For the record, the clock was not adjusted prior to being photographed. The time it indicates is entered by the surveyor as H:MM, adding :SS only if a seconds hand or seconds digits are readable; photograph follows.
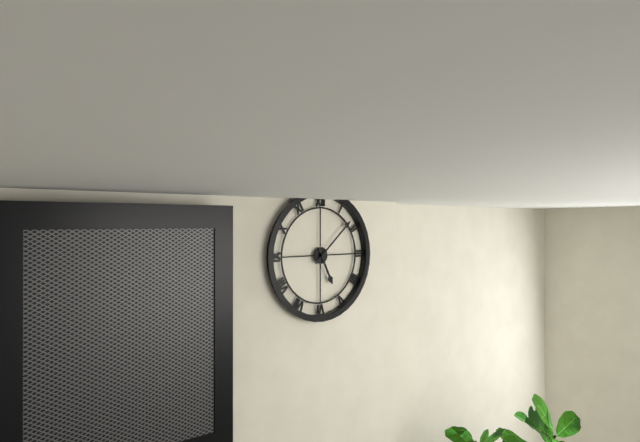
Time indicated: 5:08
